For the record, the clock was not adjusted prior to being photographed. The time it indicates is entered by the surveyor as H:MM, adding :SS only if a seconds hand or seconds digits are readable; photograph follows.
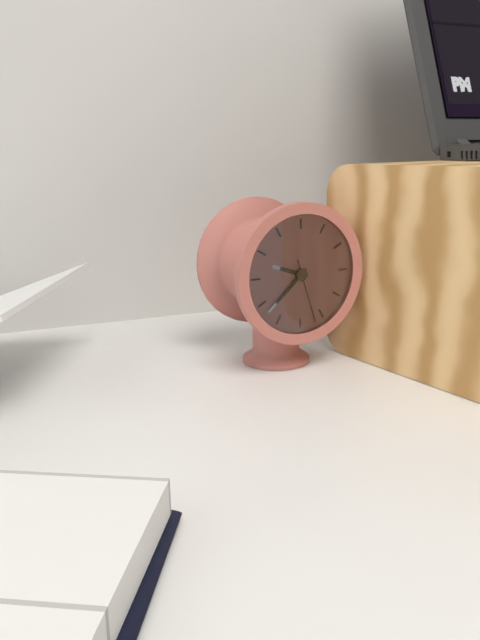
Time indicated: 9:38:27
